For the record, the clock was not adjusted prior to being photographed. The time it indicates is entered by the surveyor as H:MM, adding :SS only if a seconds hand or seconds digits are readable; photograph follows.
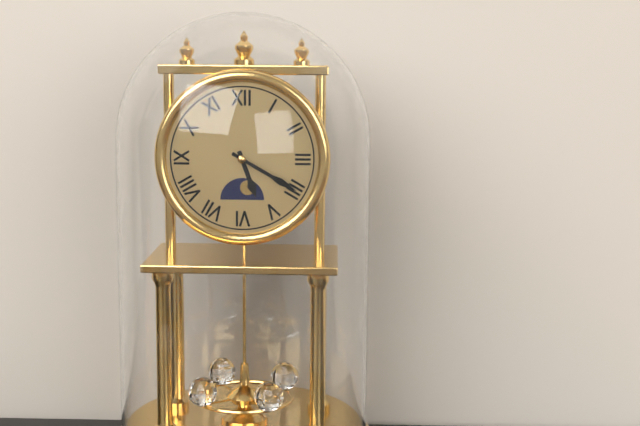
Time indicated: 5:20
